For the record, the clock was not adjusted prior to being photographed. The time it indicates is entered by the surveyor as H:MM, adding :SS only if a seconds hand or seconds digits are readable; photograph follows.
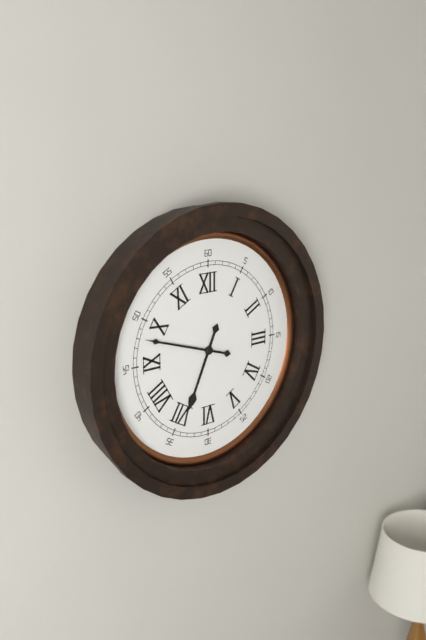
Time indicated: 6:48
